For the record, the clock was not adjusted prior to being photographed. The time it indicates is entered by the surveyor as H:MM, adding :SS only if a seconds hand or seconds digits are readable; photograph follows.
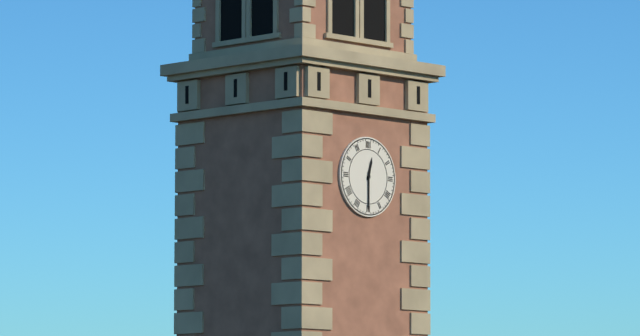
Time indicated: 12:30
